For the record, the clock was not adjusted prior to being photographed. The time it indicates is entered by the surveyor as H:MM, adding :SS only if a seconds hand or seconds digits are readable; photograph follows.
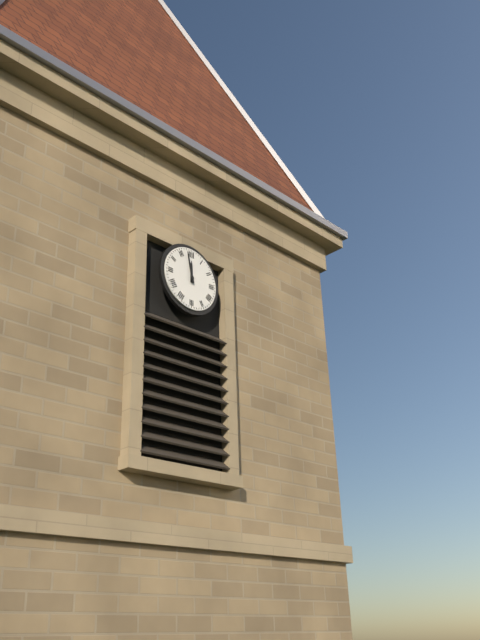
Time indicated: 11:58
